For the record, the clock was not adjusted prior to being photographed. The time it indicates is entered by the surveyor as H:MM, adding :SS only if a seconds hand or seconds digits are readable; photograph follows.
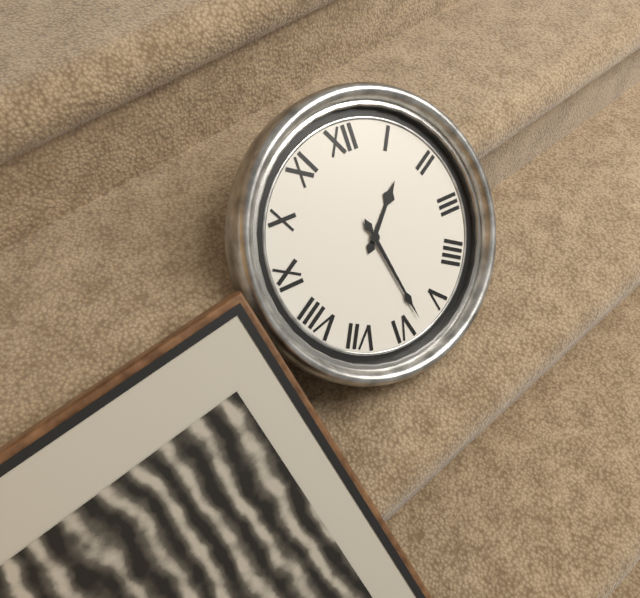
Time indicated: 1:28
